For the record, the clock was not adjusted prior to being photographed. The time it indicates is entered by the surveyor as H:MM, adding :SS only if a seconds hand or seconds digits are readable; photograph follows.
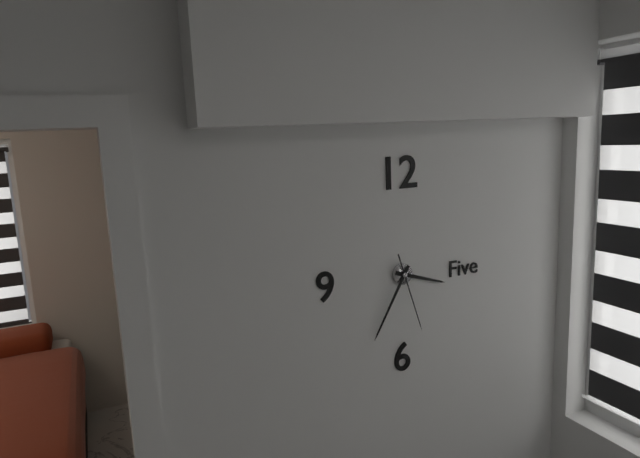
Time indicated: 3:35:27
